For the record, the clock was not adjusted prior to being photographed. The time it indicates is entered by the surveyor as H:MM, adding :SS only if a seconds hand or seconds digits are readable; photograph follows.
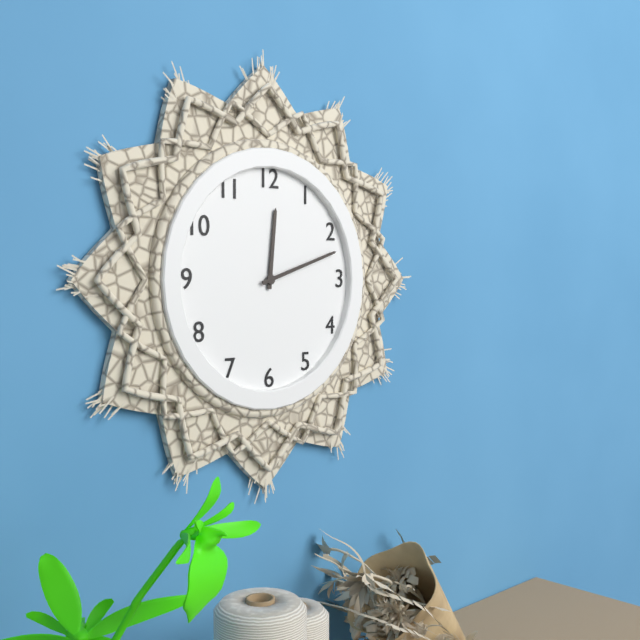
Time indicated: 12:12
